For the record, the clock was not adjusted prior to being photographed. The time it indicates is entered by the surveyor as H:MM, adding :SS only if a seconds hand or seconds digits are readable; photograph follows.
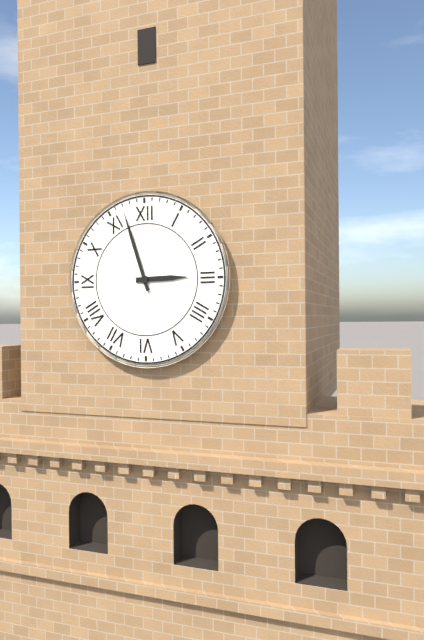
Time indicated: 2:57
